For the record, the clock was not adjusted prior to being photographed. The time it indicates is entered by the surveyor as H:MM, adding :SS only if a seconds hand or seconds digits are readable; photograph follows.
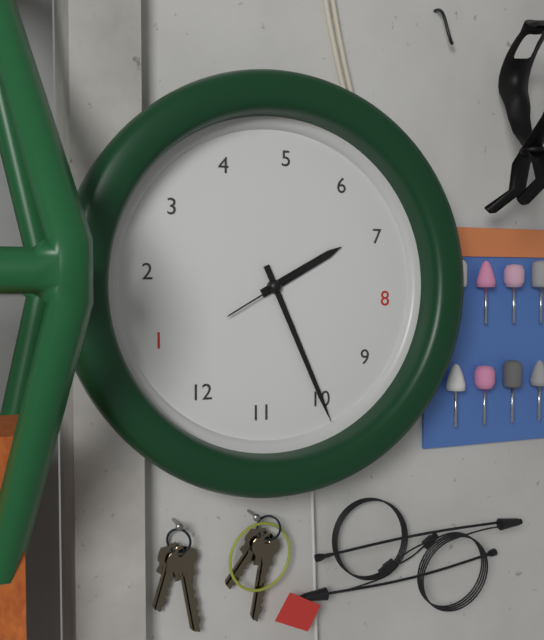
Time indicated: 6:50:04
